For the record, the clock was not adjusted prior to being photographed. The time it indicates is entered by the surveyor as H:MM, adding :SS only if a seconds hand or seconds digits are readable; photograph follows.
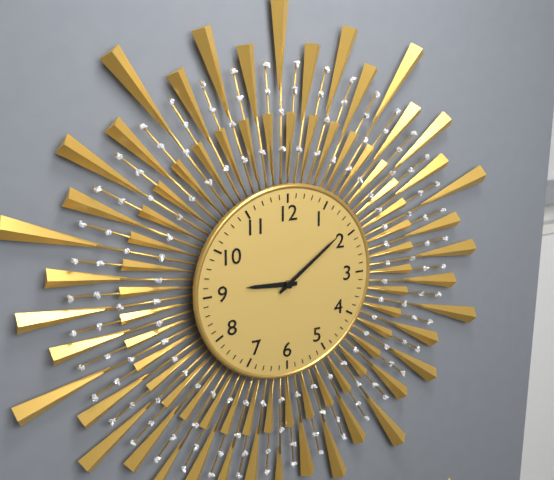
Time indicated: 9:09
